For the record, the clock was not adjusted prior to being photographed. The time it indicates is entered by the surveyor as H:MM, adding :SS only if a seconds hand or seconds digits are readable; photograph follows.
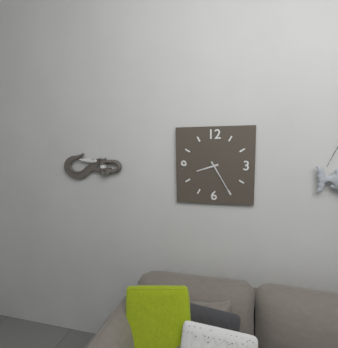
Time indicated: 8:25
